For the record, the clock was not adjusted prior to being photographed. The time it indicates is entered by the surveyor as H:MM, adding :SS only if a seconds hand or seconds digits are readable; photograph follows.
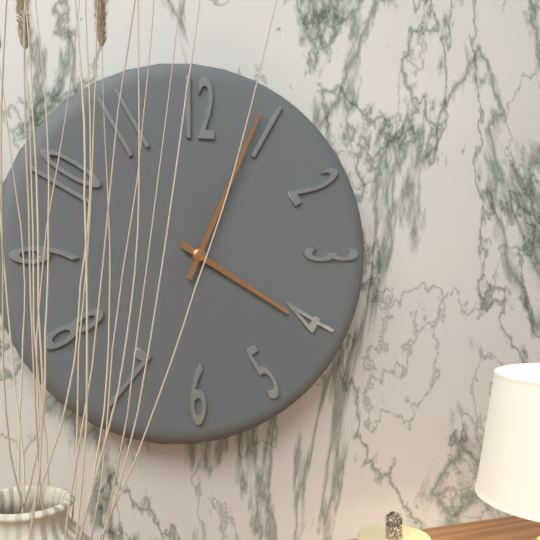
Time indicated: 4:04
